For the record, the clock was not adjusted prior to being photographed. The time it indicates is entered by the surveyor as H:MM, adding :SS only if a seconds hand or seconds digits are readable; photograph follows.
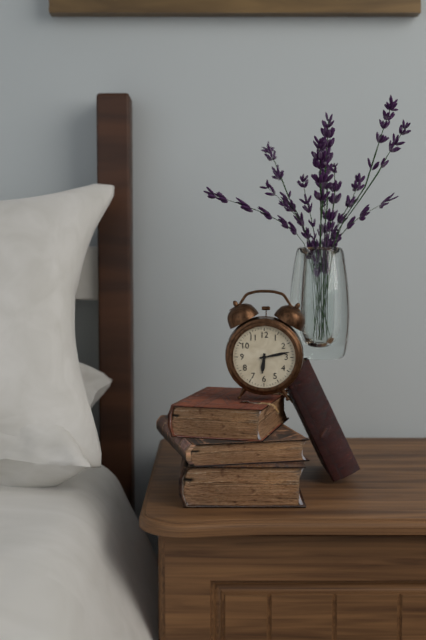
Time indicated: 6:13
